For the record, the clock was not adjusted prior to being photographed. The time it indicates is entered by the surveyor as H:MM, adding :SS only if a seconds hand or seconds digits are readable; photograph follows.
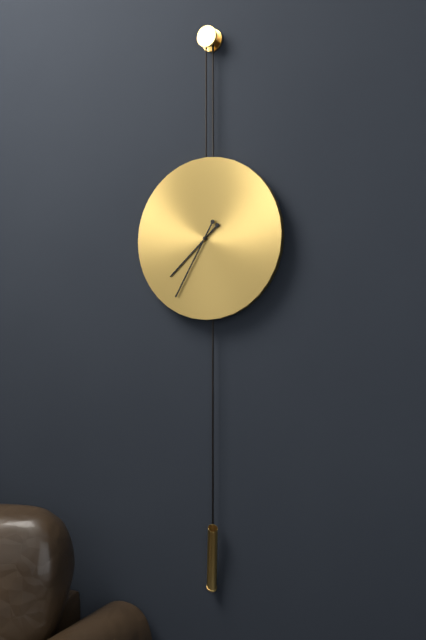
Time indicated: 7:35
